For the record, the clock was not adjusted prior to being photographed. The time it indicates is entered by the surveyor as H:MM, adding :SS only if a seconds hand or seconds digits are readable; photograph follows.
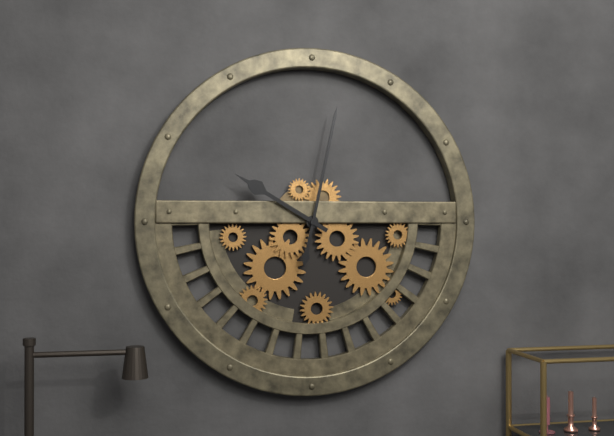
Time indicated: 10:02
